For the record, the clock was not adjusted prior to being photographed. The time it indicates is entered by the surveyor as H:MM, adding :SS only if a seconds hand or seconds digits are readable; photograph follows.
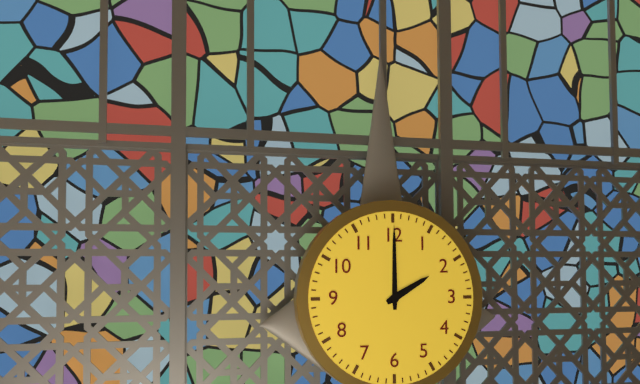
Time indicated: 2:00
